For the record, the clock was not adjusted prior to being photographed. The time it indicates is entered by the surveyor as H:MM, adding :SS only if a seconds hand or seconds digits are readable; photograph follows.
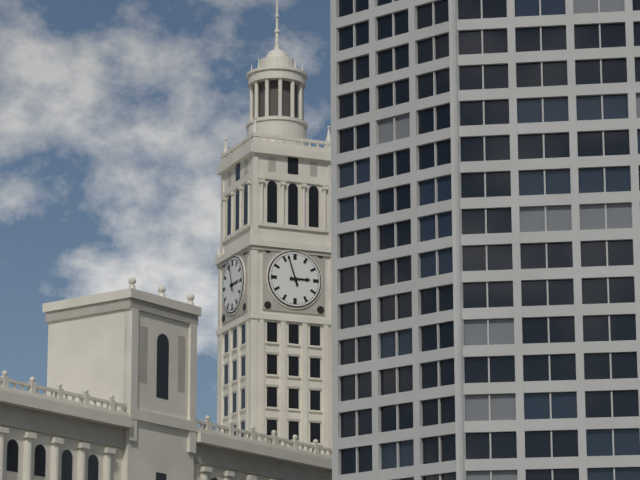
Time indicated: 2:57
